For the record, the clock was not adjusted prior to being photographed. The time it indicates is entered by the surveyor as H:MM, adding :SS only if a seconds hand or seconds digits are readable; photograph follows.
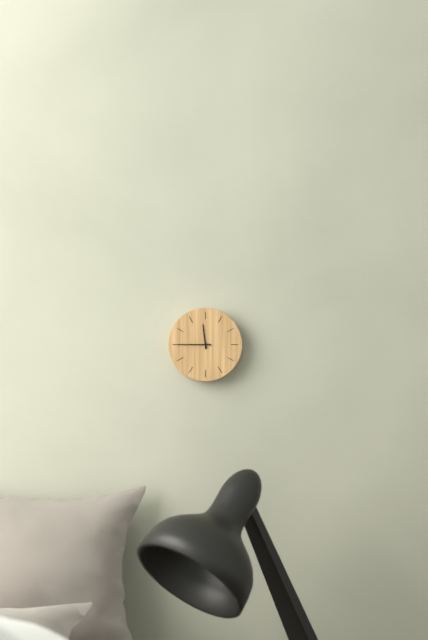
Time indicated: 11:45
